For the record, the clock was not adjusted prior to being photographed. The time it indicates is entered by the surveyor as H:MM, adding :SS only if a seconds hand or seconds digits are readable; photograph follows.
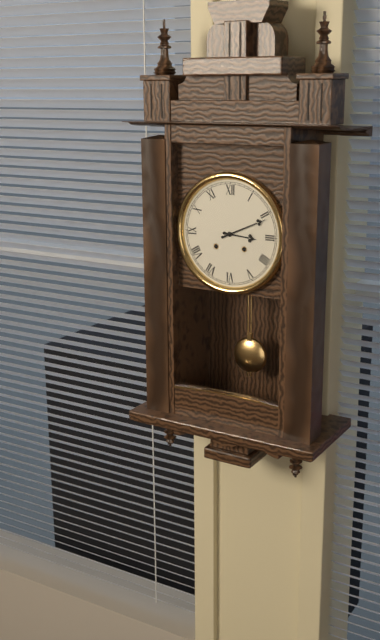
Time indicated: 3:11
